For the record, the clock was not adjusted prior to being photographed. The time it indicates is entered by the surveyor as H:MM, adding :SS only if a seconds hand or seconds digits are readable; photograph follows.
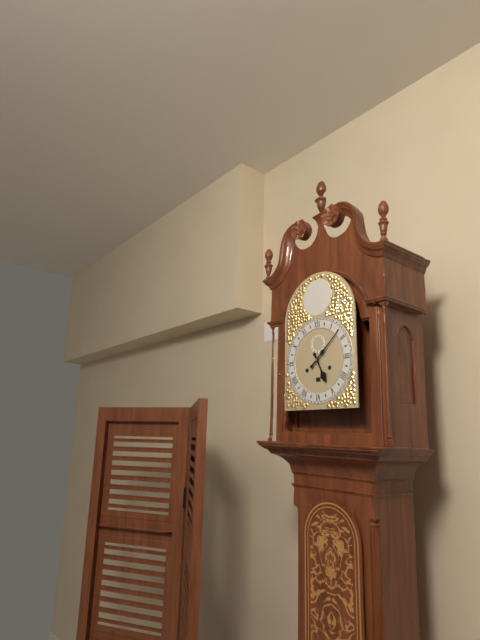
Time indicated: 5:08
